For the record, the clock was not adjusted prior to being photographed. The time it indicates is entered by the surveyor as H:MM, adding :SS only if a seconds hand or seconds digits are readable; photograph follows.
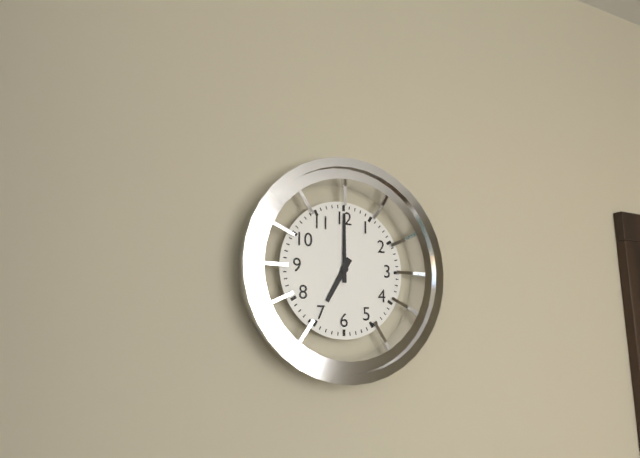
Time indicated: 7:00
